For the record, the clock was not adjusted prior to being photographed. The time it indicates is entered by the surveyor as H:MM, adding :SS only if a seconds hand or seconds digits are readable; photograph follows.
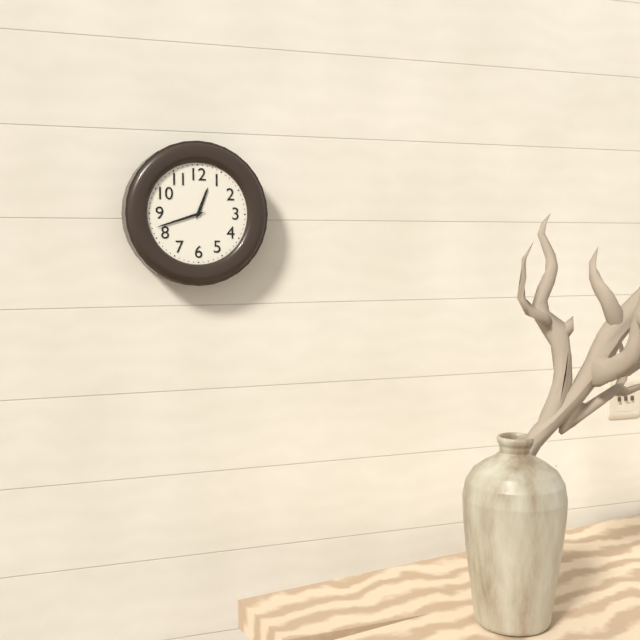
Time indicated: 12:42
